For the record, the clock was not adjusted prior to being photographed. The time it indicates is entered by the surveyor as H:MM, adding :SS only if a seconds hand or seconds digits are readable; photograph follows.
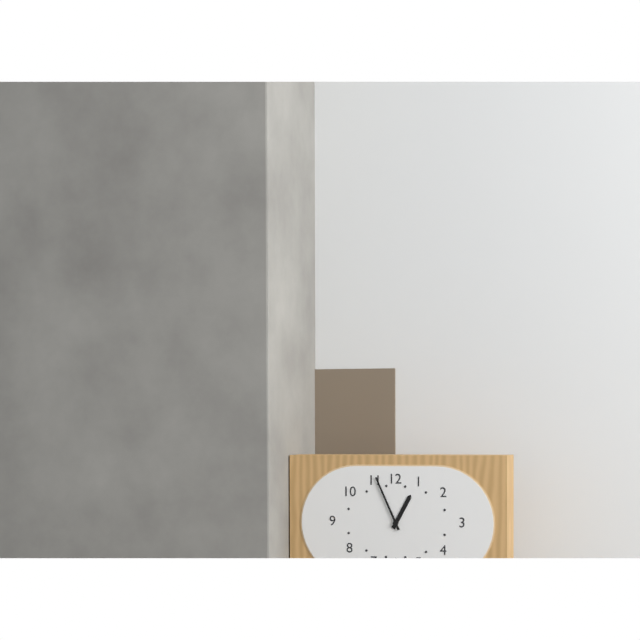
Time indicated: 12:56
